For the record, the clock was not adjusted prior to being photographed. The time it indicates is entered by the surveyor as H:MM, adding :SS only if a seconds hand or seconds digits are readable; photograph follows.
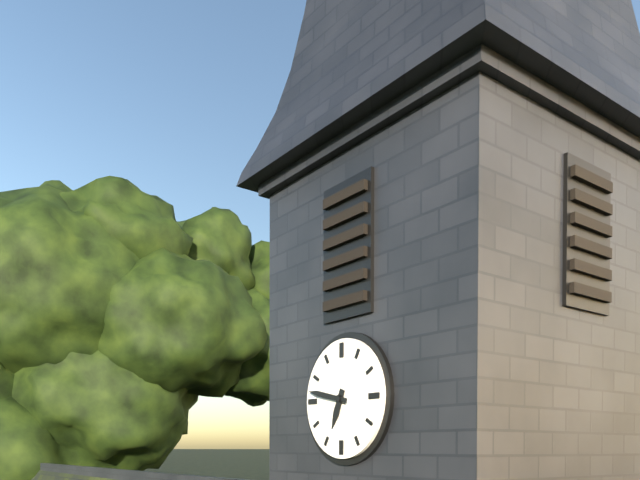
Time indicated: 6:47
